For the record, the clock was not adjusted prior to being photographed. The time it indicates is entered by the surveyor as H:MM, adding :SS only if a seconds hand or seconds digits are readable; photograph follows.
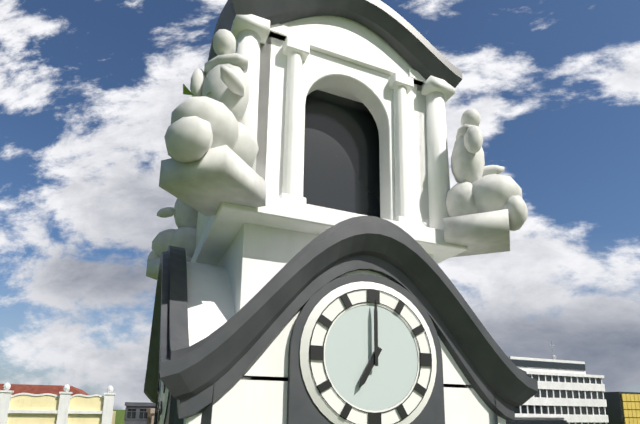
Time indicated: 7:00
